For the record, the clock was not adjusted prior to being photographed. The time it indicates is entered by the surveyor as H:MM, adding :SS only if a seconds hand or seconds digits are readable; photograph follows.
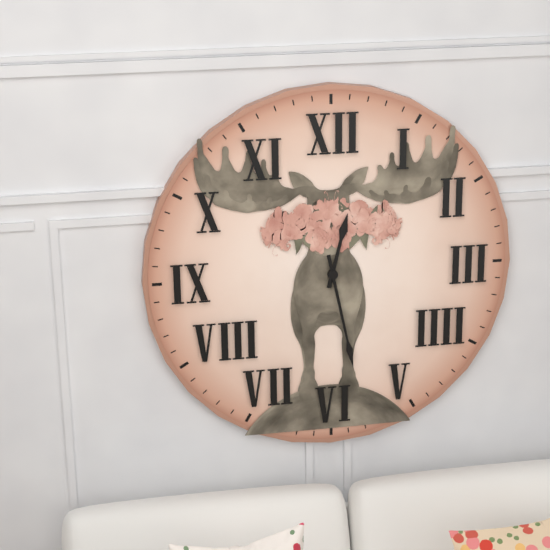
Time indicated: 12:28
